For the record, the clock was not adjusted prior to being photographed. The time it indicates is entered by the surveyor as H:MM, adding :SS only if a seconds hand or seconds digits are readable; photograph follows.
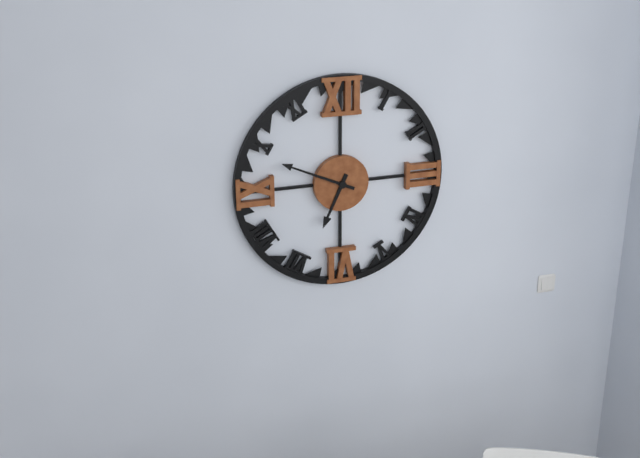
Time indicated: 6:49
